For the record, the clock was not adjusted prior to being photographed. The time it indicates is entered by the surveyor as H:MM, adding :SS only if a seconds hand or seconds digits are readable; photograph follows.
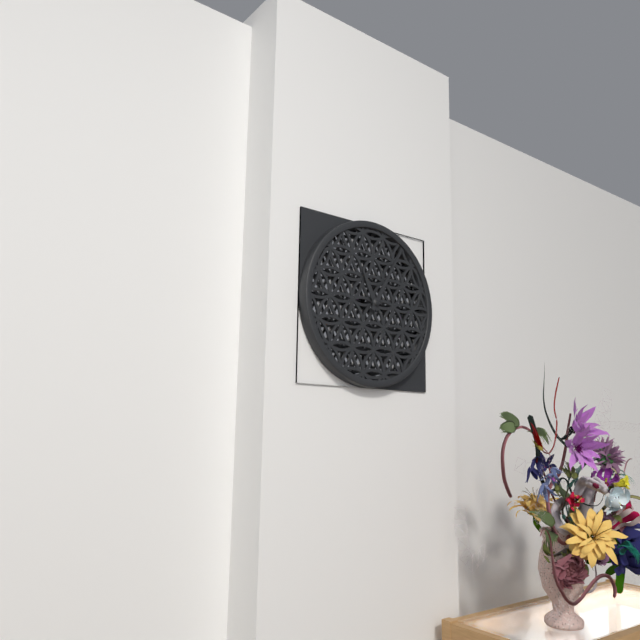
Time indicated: 11:05
